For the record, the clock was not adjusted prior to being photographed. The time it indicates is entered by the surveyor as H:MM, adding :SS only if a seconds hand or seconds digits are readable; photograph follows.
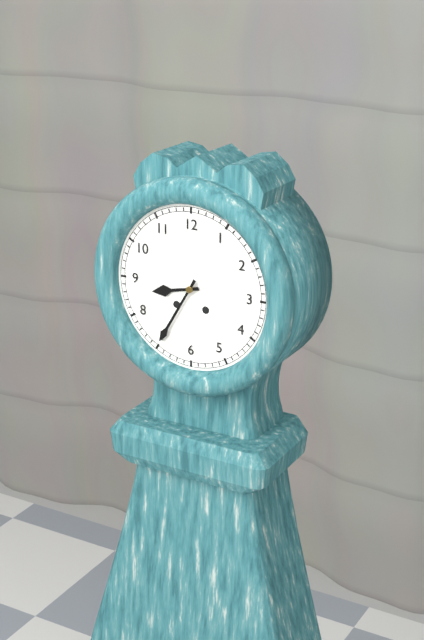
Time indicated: 8:35
